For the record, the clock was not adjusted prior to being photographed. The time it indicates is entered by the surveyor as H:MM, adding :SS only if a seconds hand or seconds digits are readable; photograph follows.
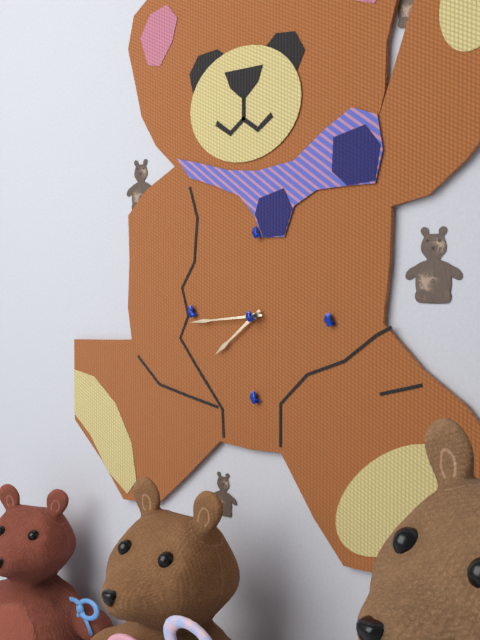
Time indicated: 7:44
